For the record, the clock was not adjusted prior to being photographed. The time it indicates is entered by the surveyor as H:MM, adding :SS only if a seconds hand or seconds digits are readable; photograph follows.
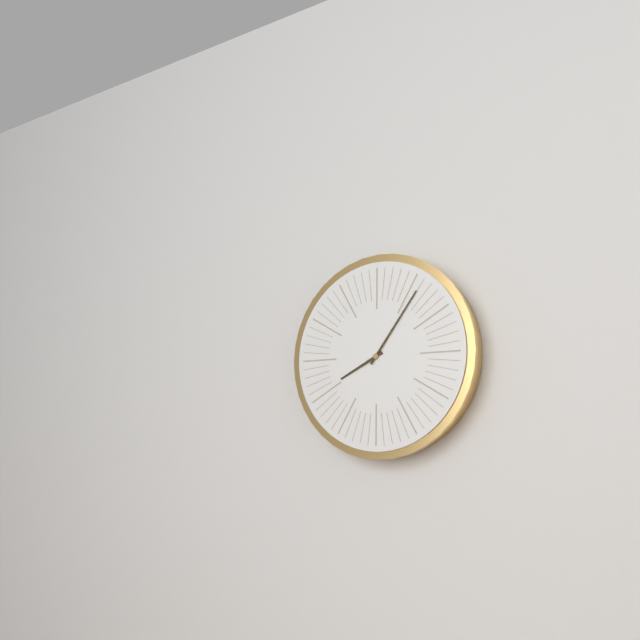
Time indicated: 8:06
